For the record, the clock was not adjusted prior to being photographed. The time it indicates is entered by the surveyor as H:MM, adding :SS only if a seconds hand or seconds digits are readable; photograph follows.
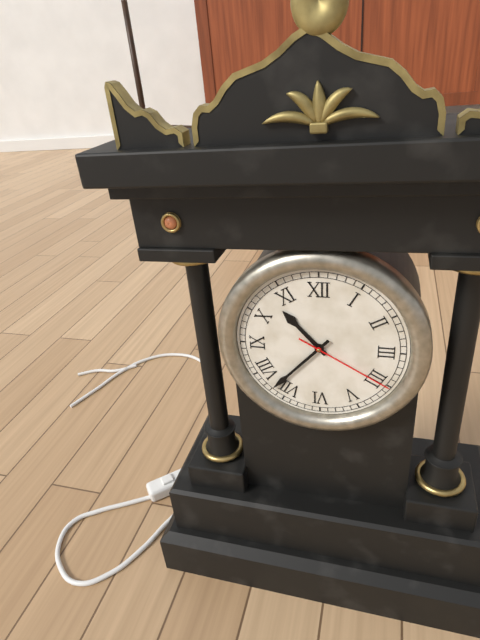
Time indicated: 10:37:20
